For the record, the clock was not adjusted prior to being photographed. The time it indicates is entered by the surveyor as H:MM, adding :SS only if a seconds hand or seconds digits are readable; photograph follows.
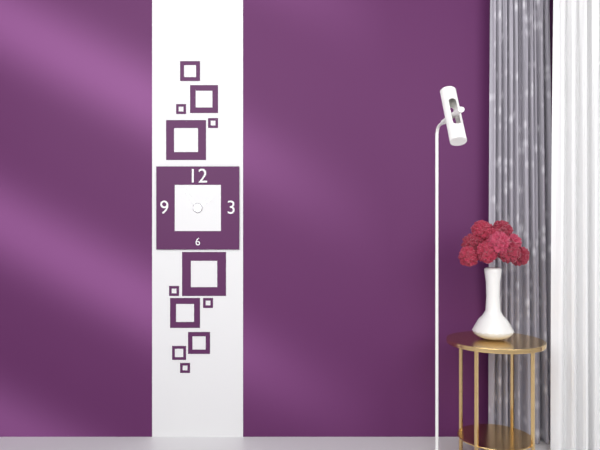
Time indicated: 1:54
